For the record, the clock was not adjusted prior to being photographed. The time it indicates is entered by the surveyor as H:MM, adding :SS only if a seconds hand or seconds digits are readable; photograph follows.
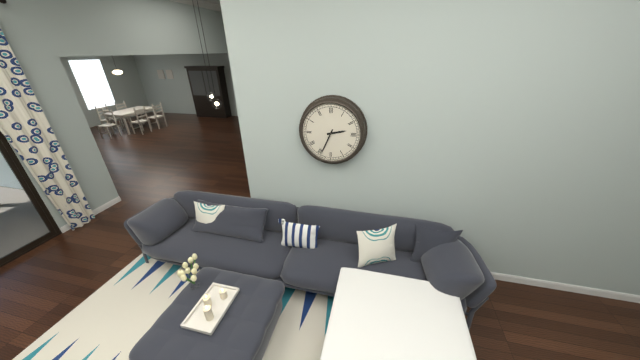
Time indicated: 2:34
